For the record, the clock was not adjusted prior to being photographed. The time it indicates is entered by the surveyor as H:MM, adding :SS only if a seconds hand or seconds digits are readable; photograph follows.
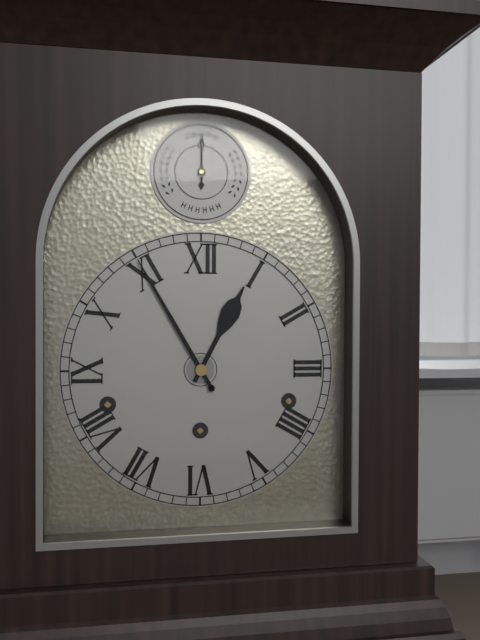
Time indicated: 12:55
